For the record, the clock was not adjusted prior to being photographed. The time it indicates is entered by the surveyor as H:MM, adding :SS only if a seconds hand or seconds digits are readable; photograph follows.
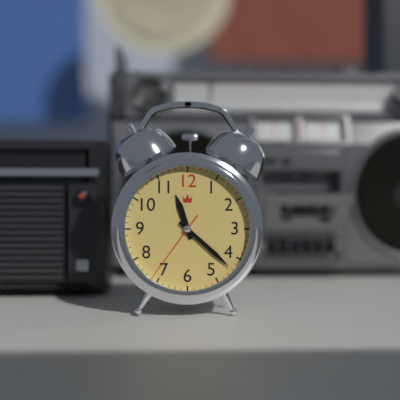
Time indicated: 11:22:36
